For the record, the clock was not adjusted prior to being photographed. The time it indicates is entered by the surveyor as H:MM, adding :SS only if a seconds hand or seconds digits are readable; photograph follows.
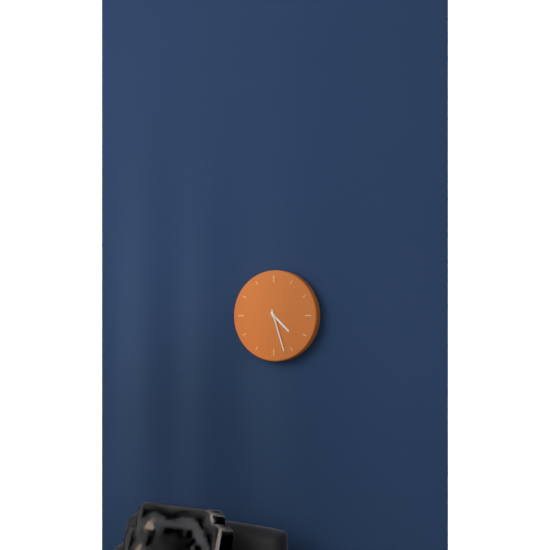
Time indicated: 4:27
